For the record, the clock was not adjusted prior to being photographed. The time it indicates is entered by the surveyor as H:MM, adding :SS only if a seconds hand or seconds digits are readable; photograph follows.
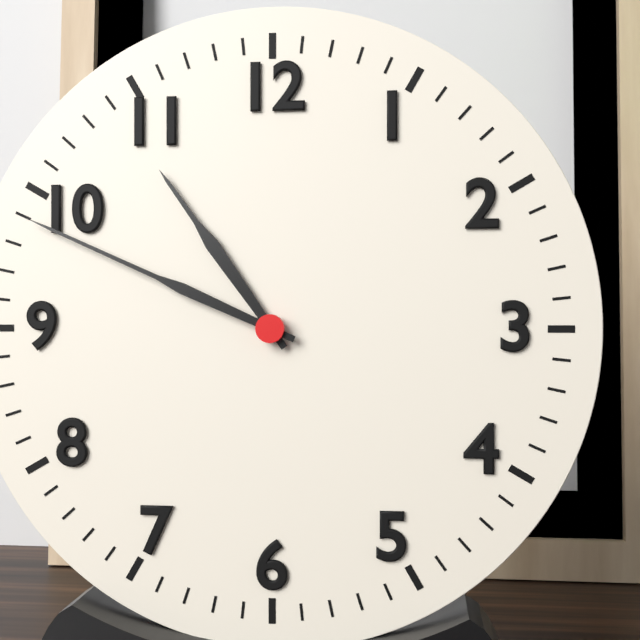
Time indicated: 10:49
